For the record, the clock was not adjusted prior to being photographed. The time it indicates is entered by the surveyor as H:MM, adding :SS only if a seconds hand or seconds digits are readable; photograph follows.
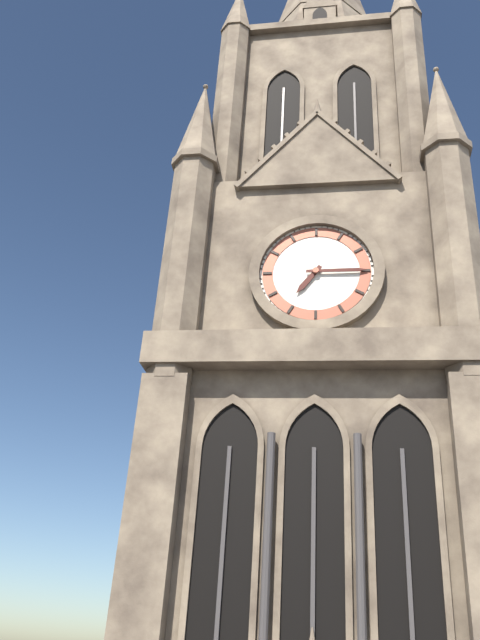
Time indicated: 7:15
